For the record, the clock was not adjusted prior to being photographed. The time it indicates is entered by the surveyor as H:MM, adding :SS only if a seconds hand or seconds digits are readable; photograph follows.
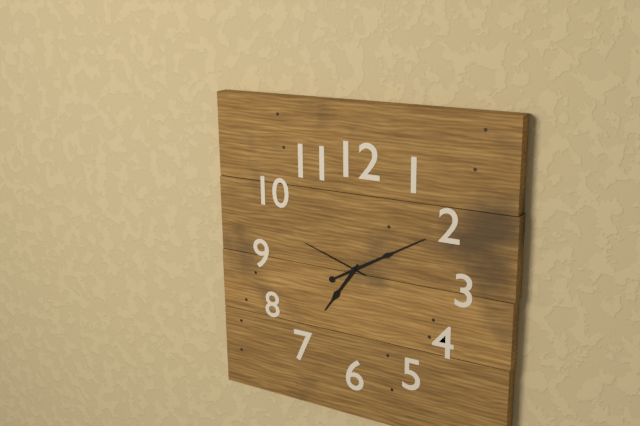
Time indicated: 7:10:48
